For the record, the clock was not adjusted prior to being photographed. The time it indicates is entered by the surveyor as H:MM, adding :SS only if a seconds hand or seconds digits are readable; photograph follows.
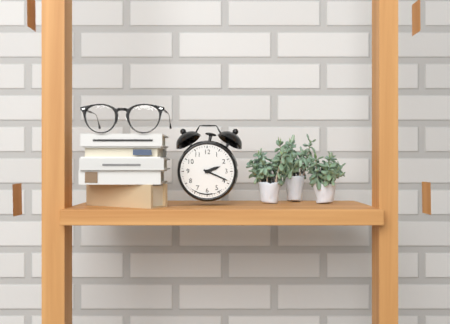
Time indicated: 2:19
